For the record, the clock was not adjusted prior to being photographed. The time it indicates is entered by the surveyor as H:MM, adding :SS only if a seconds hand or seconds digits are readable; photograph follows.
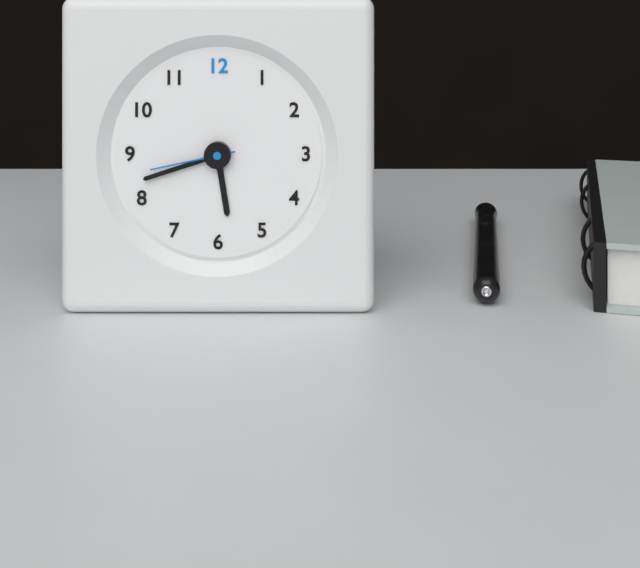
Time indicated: 5:42:43
